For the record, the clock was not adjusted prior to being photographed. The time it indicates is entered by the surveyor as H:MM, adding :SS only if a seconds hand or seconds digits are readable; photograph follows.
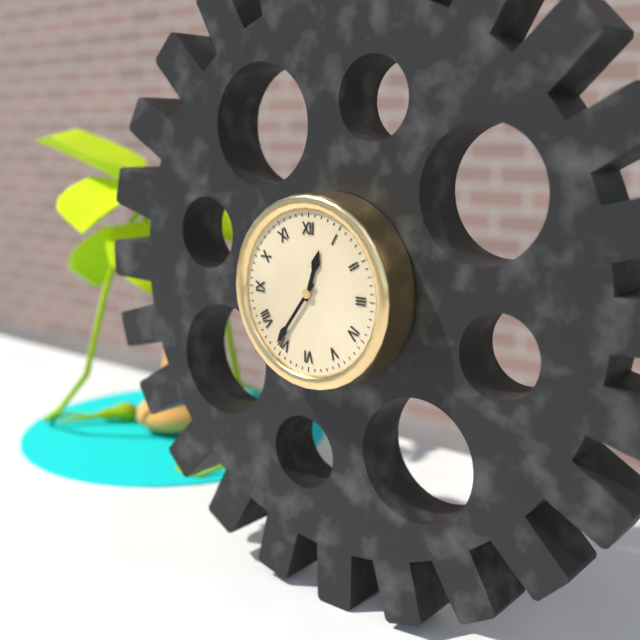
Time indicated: 12:36
